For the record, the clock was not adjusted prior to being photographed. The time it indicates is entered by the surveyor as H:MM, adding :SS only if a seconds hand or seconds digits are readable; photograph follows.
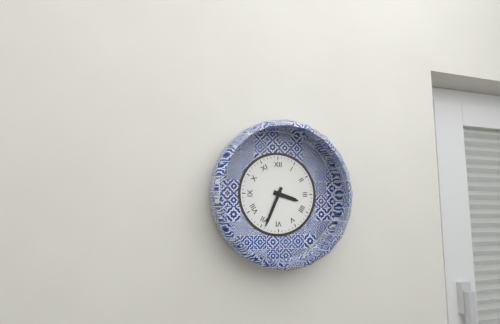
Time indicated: 3:34
